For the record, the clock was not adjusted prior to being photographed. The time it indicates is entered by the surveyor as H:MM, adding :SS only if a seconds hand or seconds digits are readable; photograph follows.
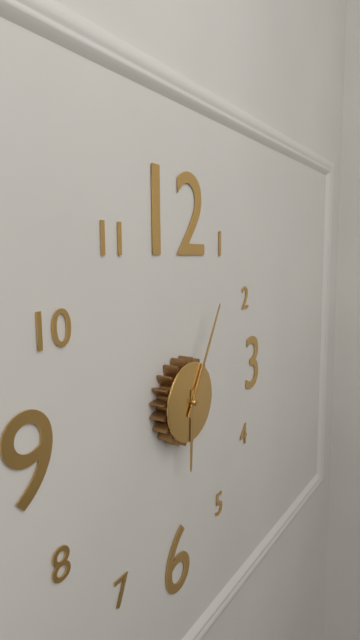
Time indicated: 6:05
